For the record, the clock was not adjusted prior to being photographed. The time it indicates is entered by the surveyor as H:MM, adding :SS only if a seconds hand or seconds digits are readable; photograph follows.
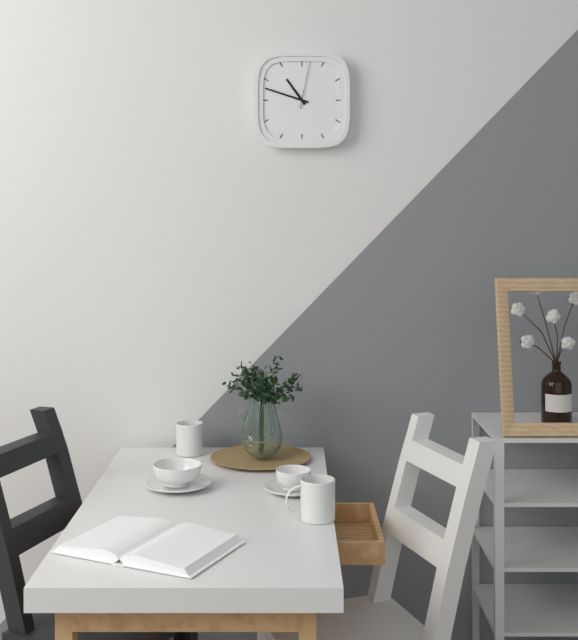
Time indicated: 10:48:02
